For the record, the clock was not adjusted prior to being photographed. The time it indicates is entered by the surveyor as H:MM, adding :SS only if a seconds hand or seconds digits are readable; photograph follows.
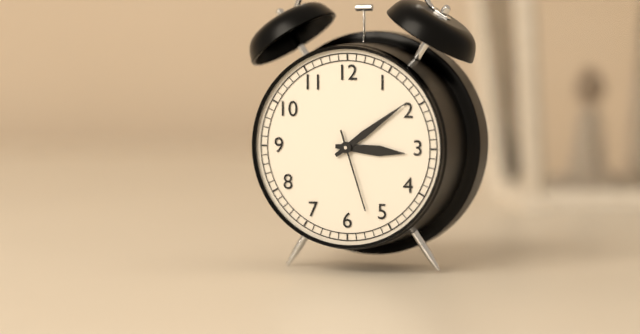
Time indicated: 3:09:27
